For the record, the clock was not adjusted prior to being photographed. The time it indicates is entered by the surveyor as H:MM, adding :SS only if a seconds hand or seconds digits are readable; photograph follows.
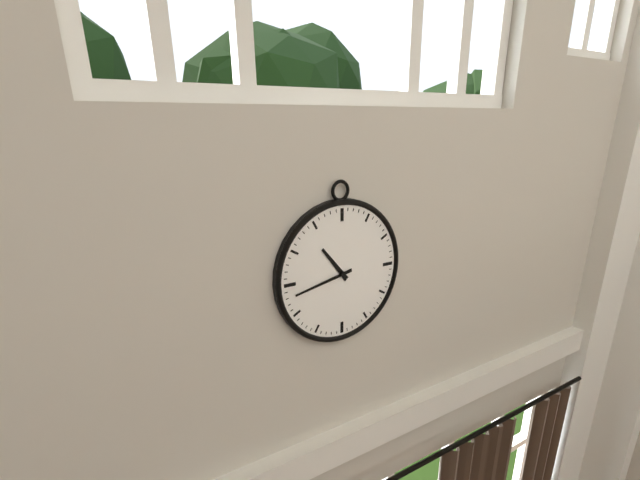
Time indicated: 10:43
